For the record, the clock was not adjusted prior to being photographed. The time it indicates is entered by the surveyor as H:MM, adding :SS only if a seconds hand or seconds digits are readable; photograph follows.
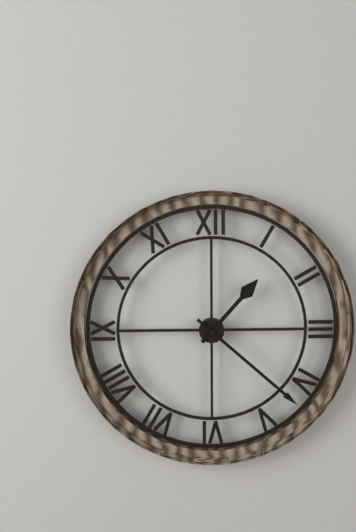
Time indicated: 1:22
